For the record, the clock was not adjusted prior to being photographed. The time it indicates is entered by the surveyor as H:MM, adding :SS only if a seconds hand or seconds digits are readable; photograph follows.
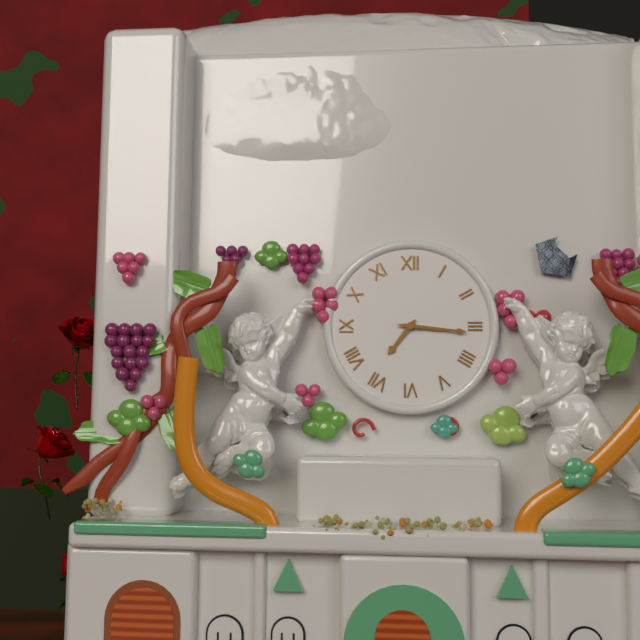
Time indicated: 7:16
